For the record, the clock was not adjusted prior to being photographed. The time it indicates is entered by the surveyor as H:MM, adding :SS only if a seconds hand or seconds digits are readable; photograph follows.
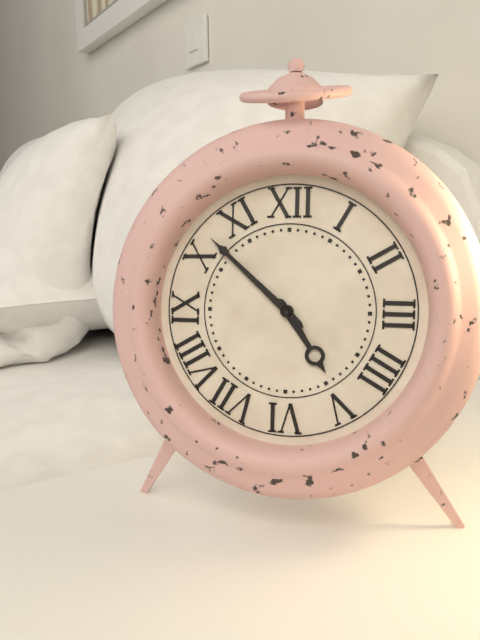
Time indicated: 4:52
